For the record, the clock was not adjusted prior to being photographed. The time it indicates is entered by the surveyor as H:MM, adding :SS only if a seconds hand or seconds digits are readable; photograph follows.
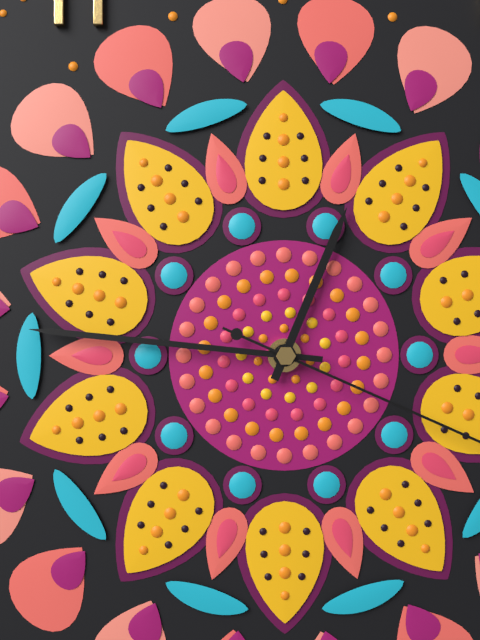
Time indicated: 12:46
